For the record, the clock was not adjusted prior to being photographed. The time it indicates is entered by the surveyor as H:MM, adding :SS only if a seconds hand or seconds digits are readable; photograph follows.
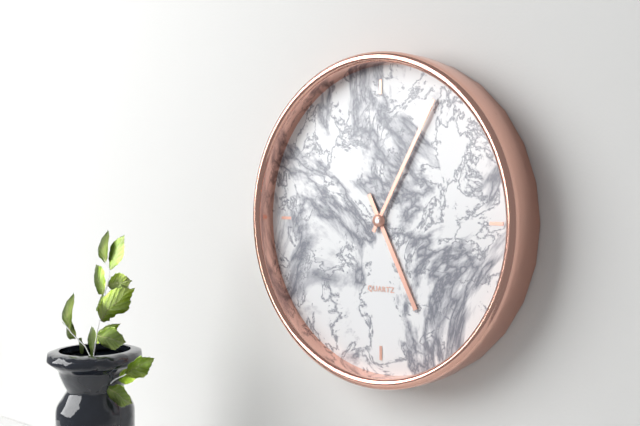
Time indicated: 5:05
